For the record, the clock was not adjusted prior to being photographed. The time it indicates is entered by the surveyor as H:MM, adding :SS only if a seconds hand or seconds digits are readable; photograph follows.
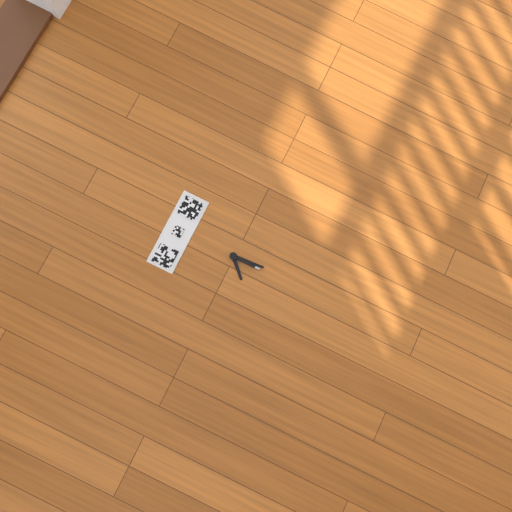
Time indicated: 7:29
